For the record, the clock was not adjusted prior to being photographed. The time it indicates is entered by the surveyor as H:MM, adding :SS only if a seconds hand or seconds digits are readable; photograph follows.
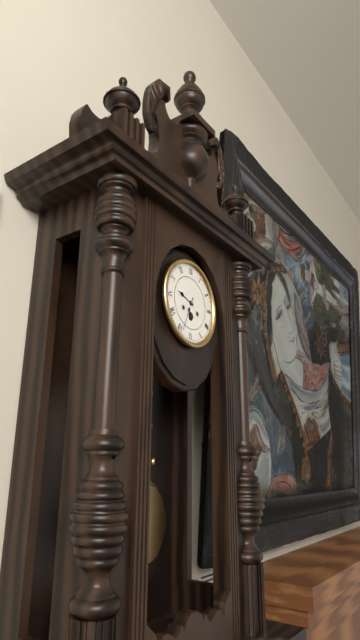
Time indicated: 9:34
